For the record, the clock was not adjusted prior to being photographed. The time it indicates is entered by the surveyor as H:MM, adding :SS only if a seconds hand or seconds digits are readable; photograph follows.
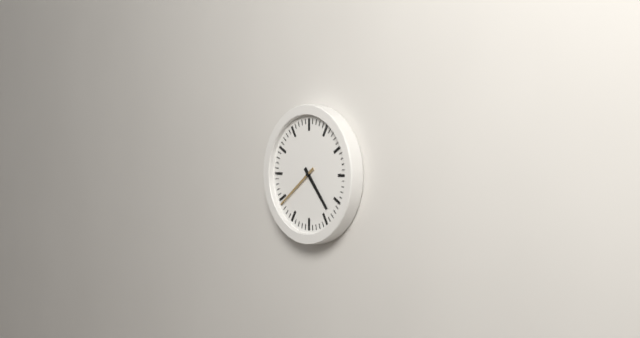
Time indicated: 4:39
